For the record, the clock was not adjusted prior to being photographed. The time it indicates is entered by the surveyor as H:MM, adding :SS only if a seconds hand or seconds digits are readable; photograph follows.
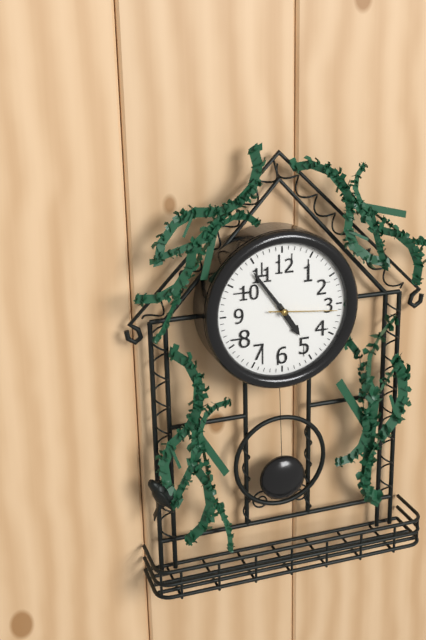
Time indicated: 4:54:16
